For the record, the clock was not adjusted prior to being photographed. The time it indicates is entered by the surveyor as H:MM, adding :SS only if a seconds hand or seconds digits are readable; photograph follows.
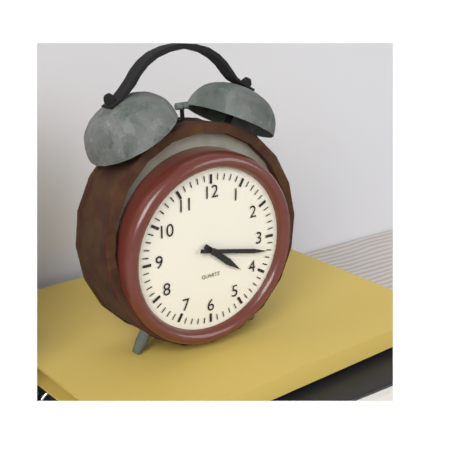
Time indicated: 4:17
